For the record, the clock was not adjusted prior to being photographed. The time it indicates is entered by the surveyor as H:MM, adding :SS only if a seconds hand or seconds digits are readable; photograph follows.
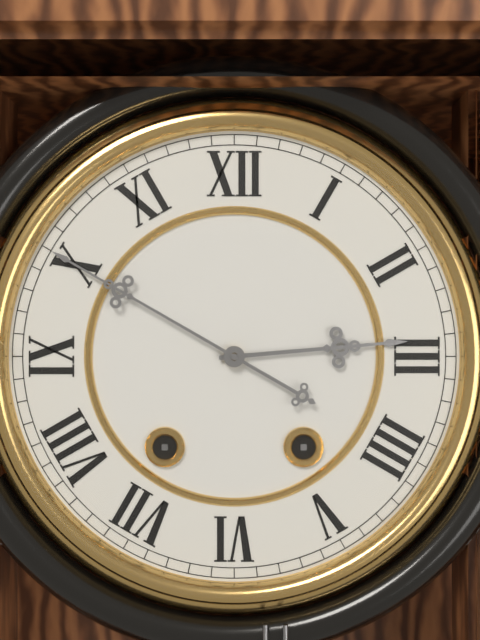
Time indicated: 2:50
